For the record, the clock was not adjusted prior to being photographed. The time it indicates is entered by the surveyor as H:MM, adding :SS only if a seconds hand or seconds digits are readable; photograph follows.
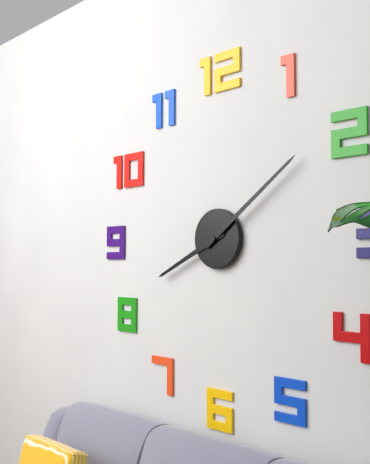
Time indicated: 8:09
